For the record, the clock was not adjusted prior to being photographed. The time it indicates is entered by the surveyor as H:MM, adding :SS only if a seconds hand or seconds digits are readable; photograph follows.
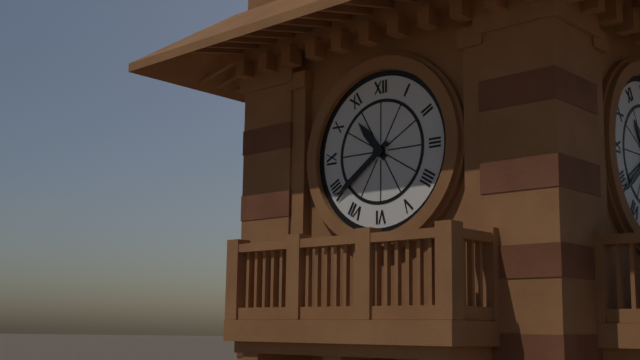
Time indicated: 10:39
